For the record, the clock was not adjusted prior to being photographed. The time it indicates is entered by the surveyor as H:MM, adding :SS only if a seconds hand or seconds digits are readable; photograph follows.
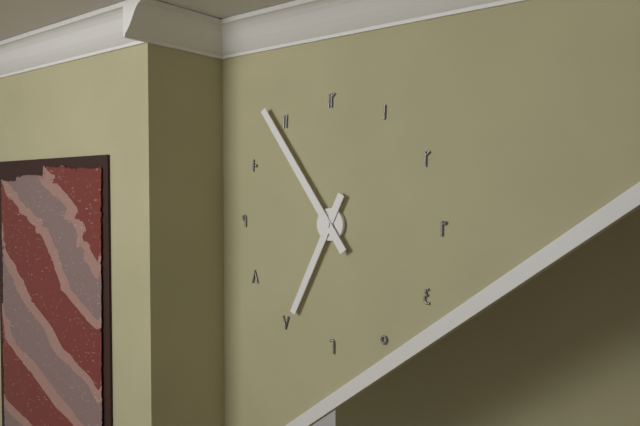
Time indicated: 6:54
